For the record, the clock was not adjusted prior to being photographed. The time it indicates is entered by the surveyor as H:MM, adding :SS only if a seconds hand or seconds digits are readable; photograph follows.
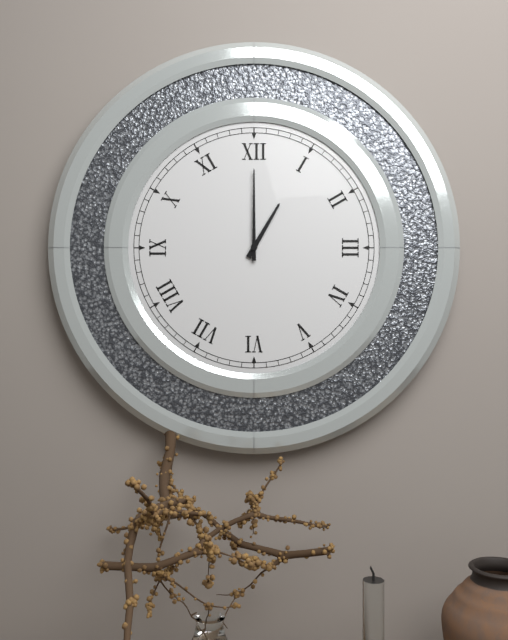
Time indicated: 1:00
